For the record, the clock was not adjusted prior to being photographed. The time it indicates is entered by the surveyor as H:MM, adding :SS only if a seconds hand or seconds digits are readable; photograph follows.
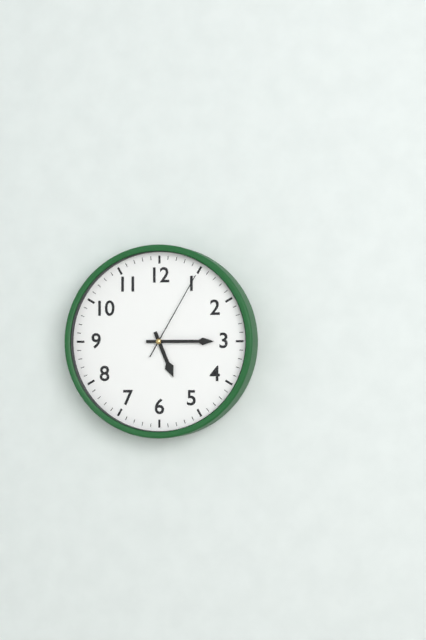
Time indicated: 5:15:05
